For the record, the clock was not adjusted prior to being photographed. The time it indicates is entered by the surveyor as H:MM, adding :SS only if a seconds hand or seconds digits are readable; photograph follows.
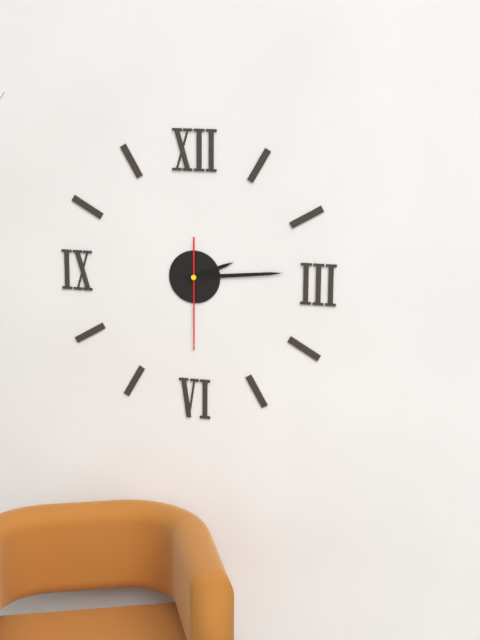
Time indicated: 2:14:30
